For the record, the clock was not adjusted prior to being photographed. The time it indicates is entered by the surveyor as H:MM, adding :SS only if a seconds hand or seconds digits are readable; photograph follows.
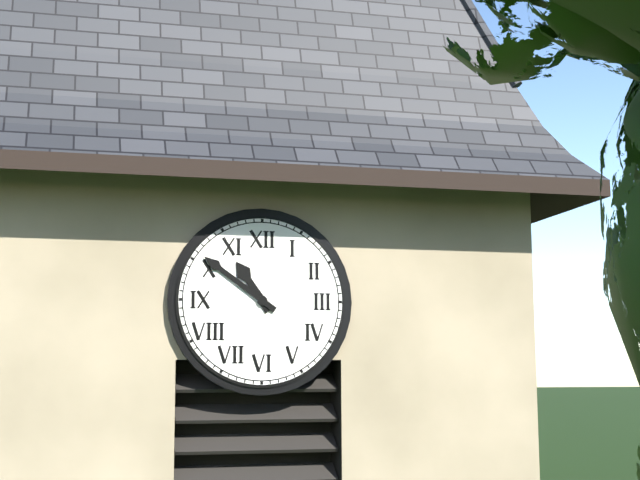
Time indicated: 10:51
